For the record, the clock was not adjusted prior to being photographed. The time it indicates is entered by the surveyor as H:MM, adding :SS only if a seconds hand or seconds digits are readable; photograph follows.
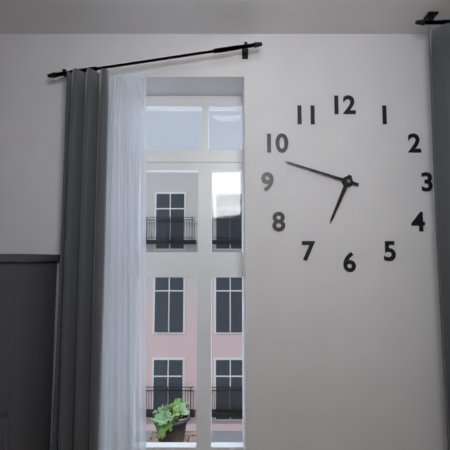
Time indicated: 6:48
